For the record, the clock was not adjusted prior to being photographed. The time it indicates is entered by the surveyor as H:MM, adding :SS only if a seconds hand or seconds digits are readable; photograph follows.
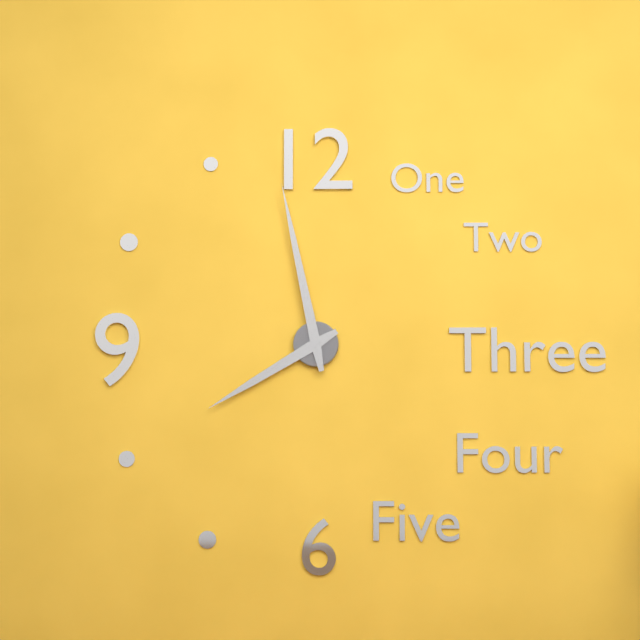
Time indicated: 7:58
